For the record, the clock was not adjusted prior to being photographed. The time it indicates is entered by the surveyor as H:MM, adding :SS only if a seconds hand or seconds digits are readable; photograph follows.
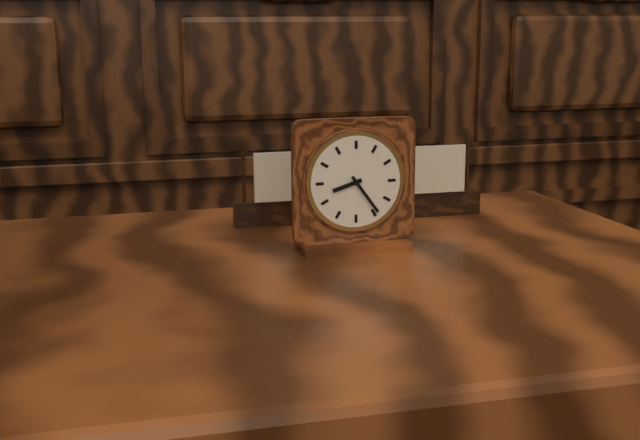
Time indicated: 8:24
